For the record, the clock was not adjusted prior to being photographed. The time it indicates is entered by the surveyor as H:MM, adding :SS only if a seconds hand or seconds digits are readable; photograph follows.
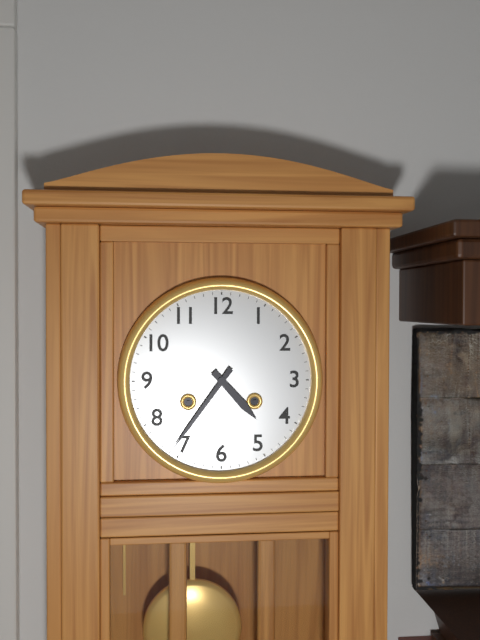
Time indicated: 4:36
